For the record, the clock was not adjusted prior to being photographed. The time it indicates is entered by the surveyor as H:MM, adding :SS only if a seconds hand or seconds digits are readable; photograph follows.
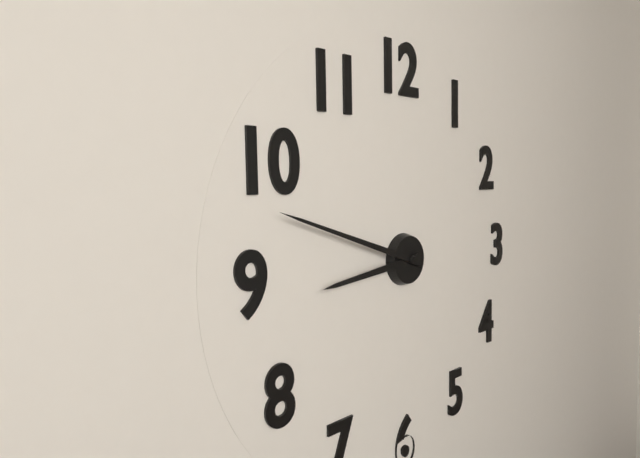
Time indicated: 8:48
